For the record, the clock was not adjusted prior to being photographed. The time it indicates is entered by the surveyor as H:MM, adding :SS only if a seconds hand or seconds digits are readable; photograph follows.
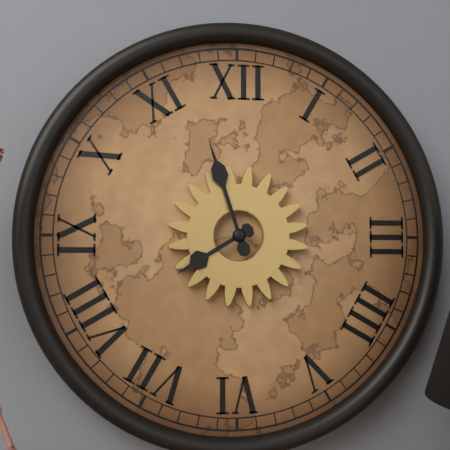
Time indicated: 7:57
